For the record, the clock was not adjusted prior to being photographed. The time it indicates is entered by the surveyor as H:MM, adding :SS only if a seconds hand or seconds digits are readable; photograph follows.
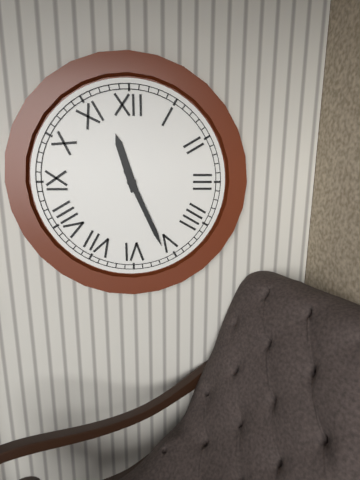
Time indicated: 11:26
